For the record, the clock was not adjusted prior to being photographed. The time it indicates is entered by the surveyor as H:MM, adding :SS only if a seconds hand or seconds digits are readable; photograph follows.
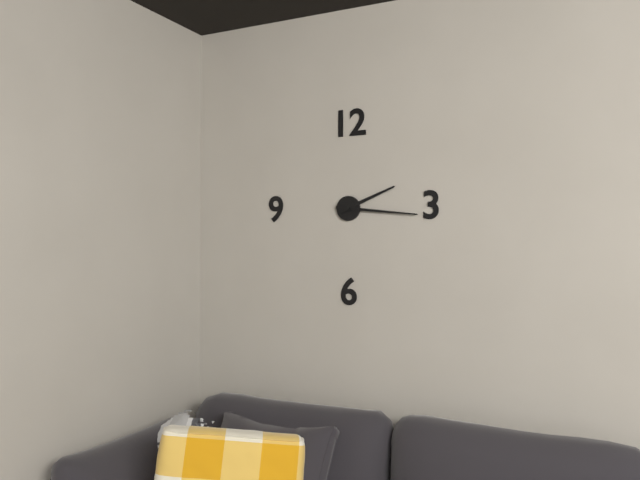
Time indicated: 2:16
